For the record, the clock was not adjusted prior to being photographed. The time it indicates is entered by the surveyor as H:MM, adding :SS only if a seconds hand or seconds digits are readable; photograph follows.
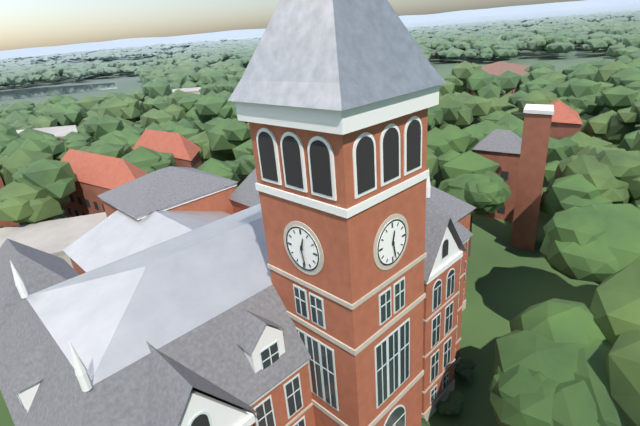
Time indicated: 12:28
